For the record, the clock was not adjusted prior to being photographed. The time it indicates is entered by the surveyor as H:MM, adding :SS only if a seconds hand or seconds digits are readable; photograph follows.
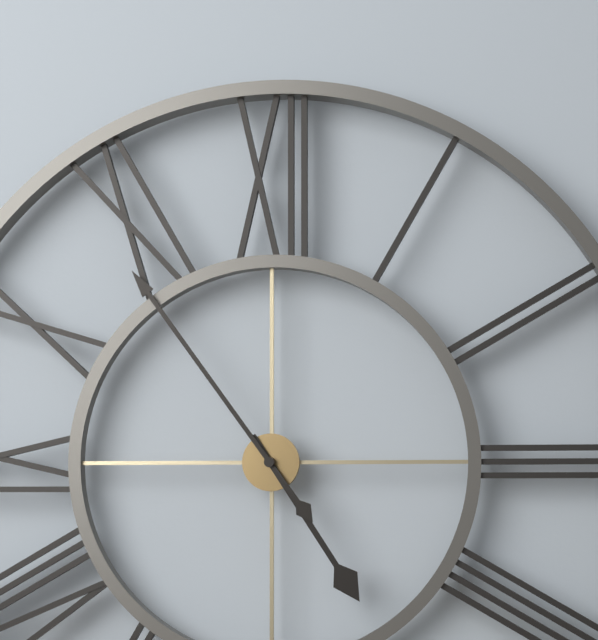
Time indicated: 4:54
